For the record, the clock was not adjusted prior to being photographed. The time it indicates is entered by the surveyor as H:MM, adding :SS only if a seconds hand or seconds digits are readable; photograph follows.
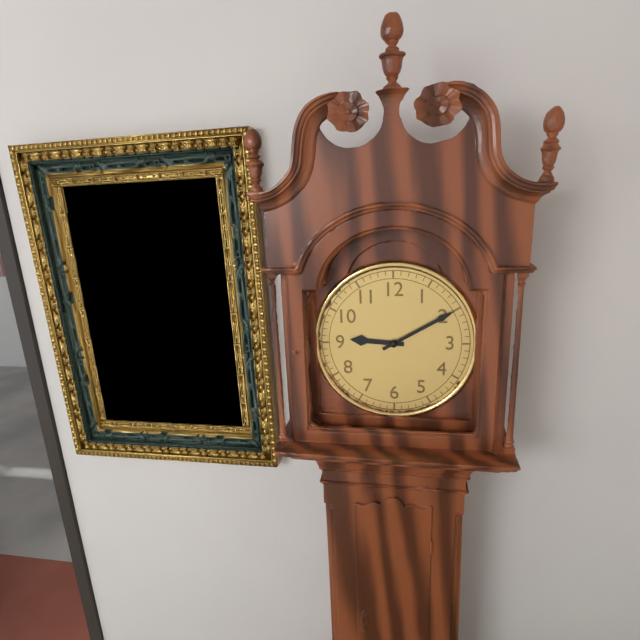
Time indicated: 9:10
